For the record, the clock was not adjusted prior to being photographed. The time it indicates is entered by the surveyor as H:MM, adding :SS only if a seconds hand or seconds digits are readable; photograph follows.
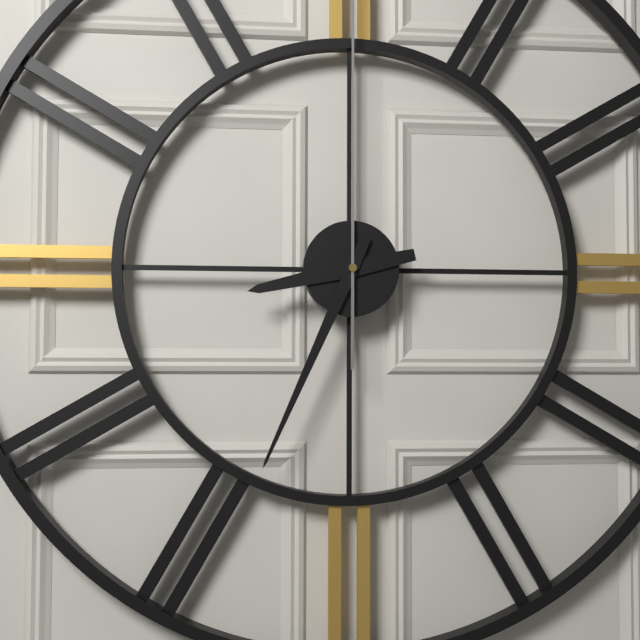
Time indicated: 8:34
